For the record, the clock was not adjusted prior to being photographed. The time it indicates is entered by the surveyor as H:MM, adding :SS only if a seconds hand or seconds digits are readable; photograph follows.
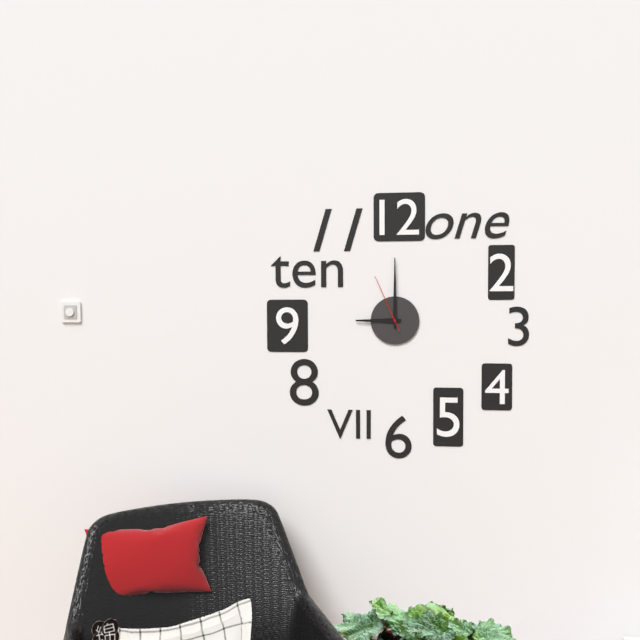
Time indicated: 9:00:56
